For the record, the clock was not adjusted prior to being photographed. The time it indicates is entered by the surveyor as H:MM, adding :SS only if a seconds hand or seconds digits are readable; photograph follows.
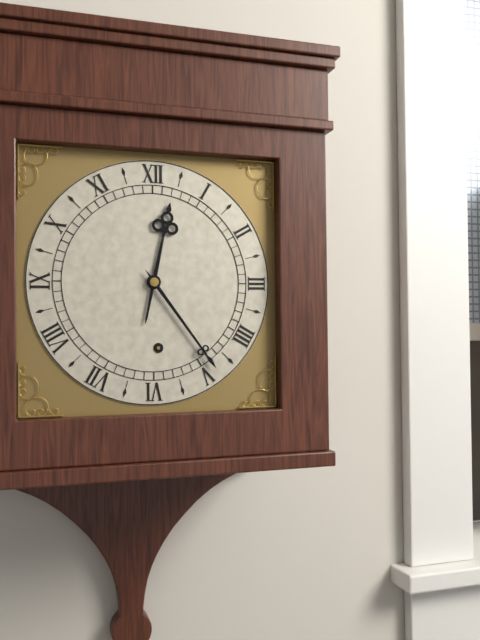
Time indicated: 12:24
